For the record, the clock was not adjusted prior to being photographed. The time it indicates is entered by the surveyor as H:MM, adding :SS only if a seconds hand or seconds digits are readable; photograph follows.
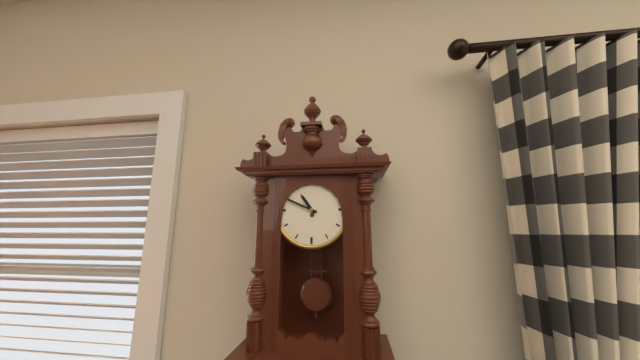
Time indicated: 10:49
